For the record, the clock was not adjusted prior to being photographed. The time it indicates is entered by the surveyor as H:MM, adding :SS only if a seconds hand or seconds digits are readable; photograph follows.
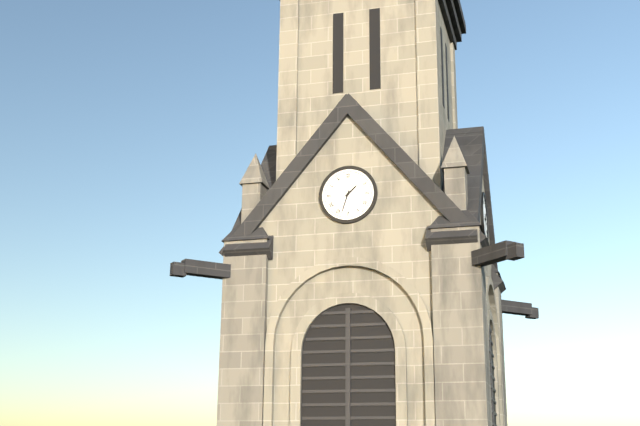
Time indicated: 1:33
